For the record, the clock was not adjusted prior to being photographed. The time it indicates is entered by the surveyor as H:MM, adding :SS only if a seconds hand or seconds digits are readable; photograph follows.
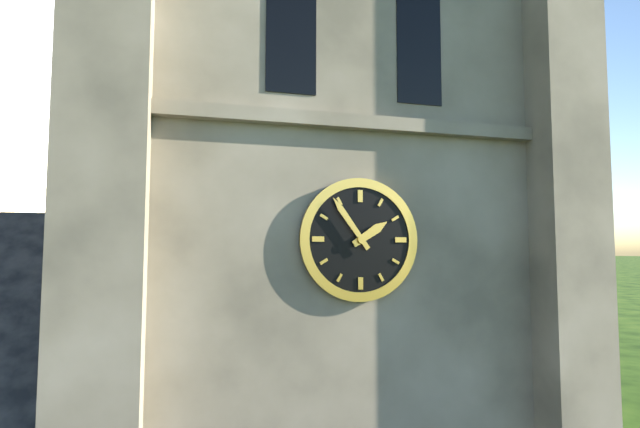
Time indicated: 1:54
